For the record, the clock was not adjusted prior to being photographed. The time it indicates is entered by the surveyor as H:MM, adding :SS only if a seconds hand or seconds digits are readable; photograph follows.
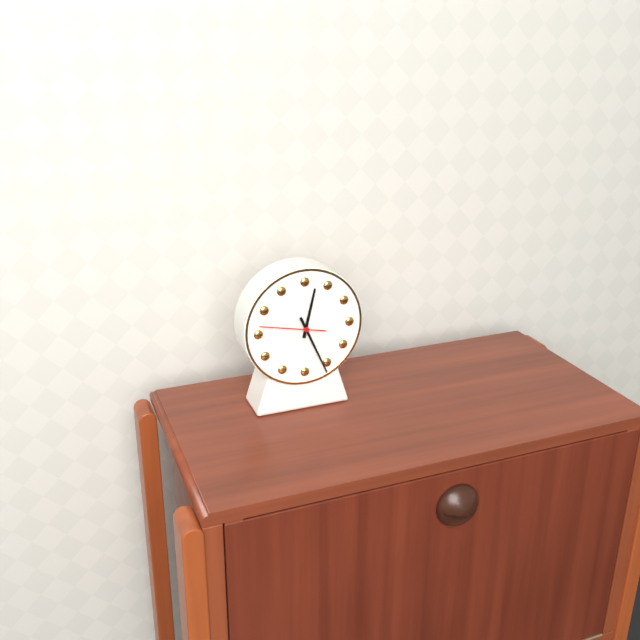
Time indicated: 12:26:47
